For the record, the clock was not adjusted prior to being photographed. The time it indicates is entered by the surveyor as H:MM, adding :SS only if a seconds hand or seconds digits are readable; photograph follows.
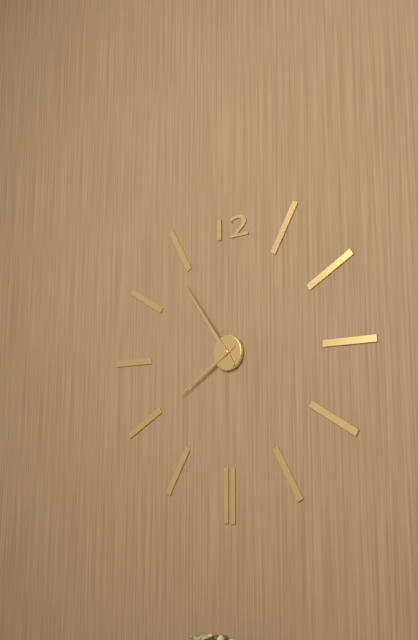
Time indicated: 7:54
